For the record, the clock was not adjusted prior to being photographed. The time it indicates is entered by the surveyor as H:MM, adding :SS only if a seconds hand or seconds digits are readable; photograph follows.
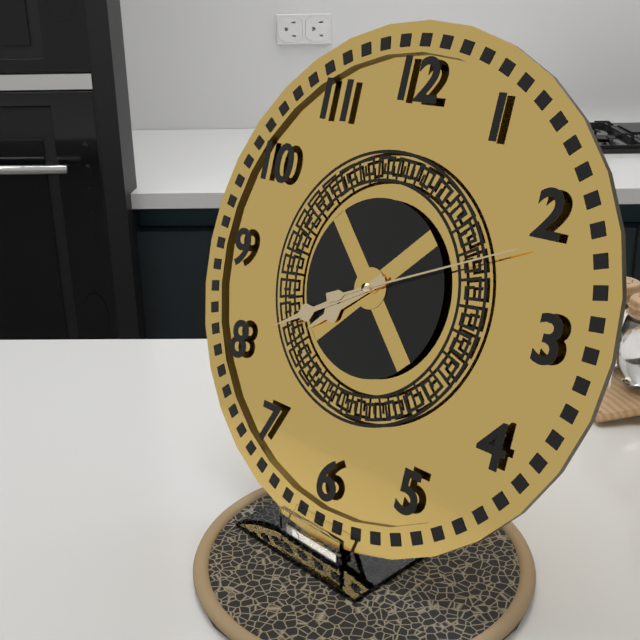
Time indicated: 7:40:11
